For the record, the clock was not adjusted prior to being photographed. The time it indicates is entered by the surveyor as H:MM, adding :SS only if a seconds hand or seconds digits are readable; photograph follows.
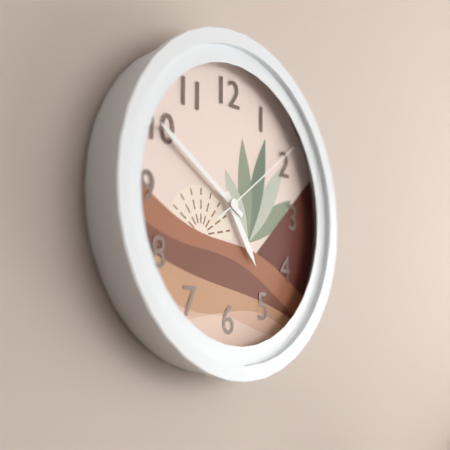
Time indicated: 4:50:09
